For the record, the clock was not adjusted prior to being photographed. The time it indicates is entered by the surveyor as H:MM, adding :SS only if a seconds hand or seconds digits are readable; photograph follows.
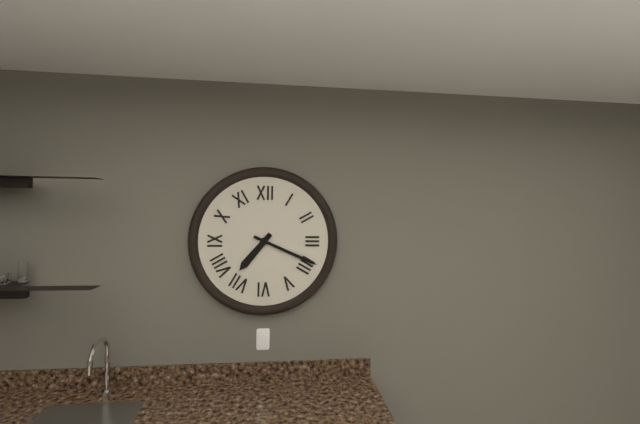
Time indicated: 7:19
